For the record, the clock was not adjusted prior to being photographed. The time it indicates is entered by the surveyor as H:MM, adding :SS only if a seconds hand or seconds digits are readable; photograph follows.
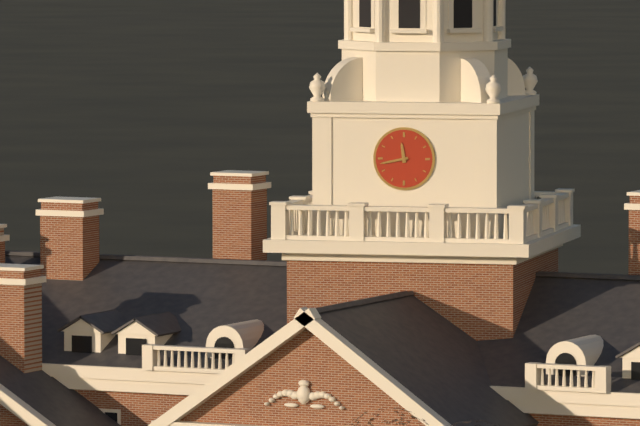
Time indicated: 11:43
